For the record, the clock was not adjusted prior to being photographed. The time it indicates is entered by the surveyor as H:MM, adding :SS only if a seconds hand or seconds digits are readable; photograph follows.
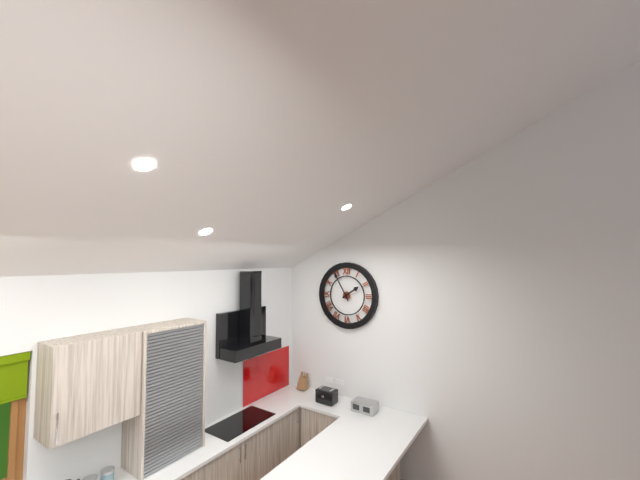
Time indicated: 1:55
